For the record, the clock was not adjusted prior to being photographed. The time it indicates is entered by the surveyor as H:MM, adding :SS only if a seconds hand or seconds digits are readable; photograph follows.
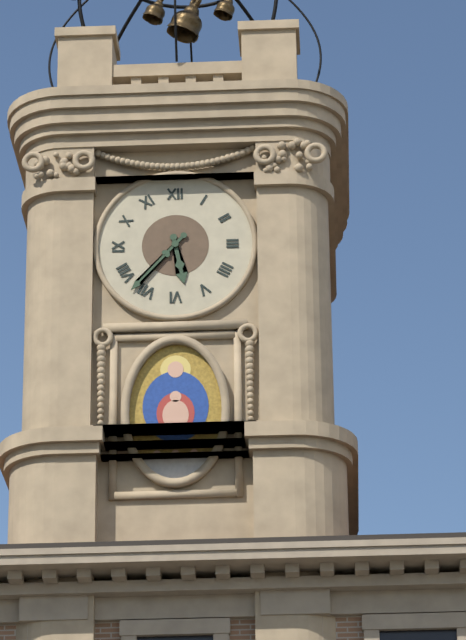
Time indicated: 5:37
